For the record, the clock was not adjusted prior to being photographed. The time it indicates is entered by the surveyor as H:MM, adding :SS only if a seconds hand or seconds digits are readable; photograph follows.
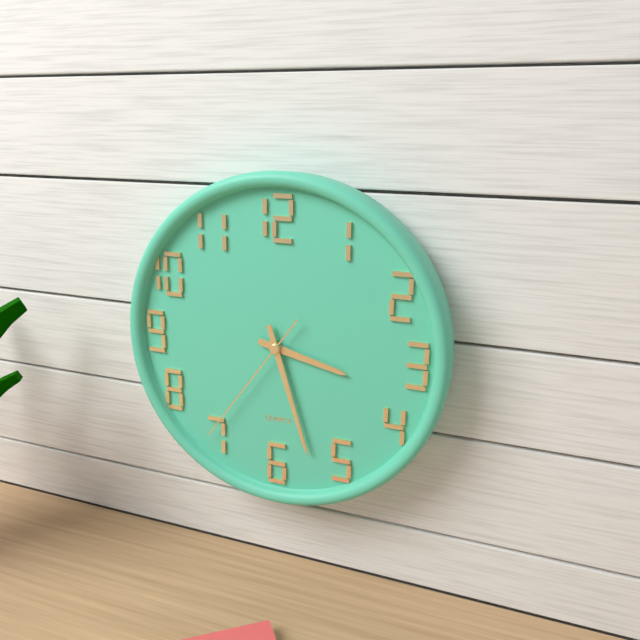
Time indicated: 3:27:36
